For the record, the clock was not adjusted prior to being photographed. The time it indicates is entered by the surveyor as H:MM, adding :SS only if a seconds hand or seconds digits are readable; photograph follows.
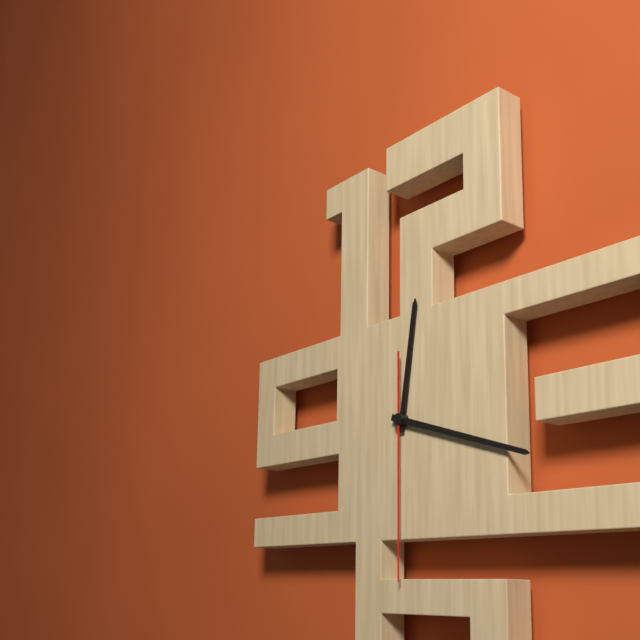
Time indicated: 12:18:30
